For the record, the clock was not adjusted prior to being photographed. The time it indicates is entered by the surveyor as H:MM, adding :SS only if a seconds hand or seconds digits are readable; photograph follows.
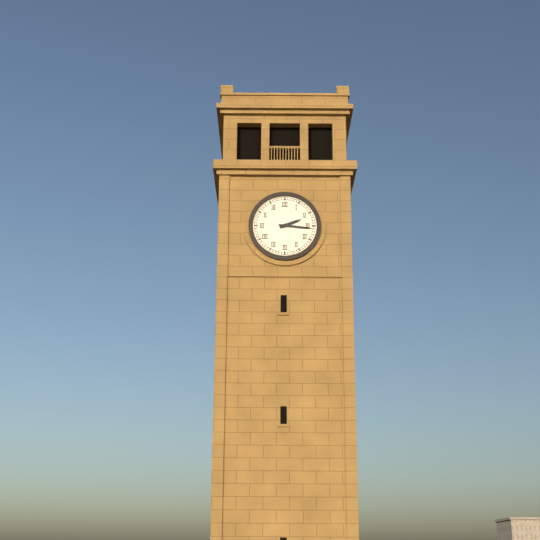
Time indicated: 2:16
